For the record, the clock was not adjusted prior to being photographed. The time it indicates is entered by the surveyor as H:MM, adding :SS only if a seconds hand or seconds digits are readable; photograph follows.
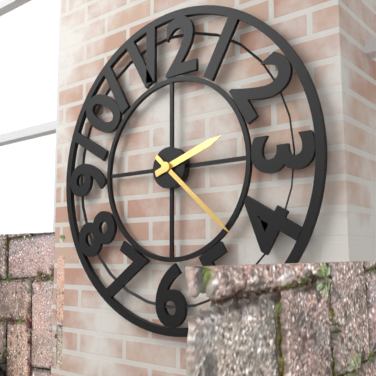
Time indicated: 2:22
